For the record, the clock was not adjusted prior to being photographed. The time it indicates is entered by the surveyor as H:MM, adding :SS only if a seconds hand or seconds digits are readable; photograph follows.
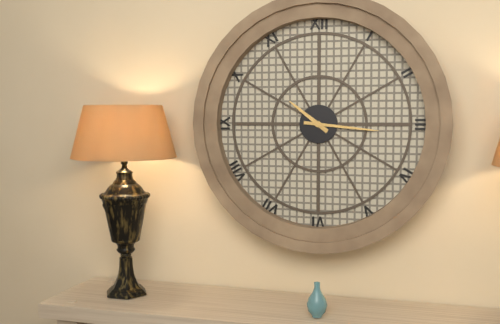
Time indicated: 10:16
